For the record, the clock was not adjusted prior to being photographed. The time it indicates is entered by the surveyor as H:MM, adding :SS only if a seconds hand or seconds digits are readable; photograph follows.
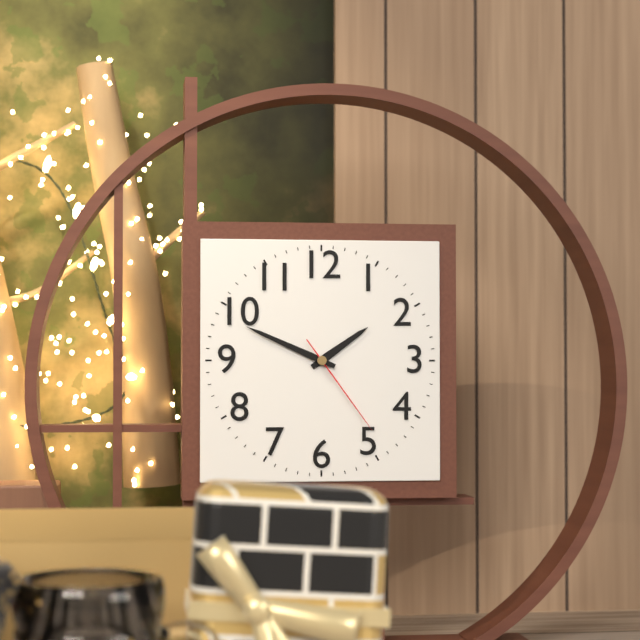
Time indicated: 1:49:24
